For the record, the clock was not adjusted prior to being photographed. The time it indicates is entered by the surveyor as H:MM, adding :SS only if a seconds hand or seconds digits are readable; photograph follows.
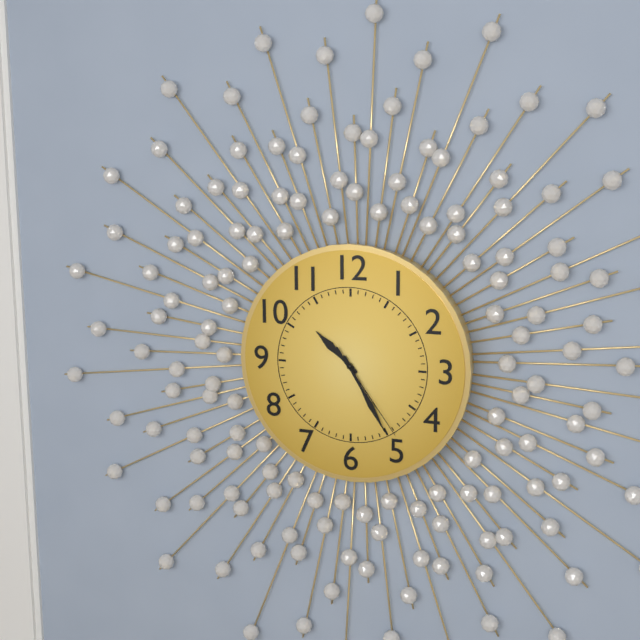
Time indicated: 10:25:24
